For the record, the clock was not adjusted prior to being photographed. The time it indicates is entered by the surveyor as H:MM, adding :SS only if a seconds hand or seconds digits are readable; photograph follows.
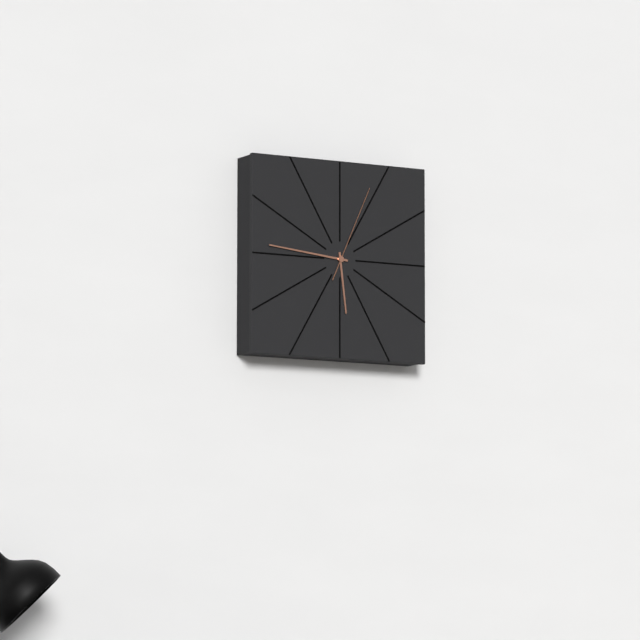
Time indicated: 5:46:04
